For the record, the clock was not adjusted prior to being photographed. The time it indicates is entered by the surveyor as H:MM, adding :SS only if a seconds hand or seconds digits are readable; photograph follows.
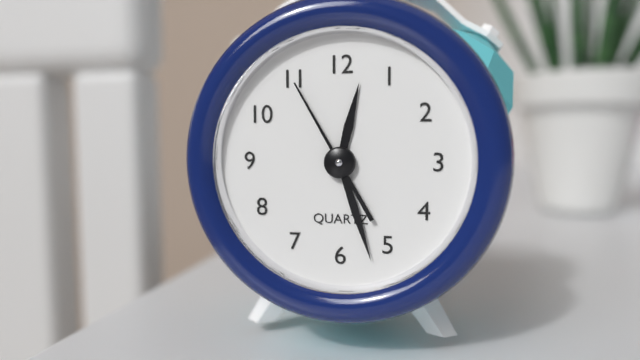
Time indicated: 12:27:55
